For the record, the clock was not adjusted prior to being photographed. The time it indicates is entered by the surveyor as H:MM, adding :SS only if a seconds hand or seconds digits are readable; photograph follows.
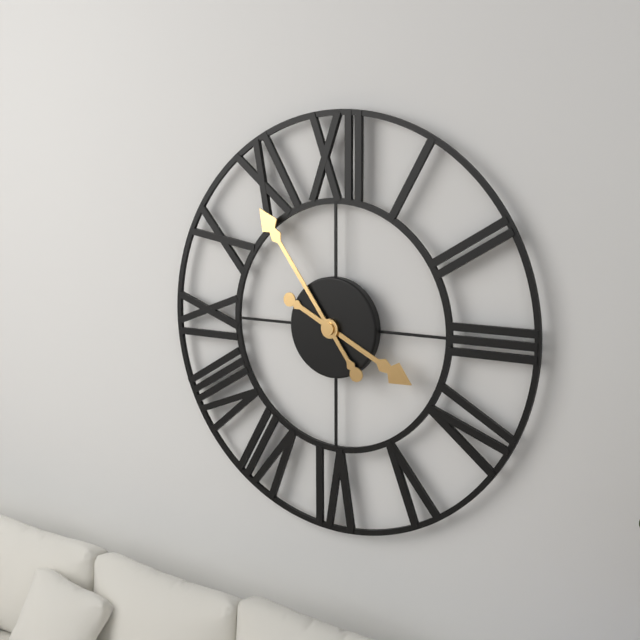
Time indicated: 3:54
